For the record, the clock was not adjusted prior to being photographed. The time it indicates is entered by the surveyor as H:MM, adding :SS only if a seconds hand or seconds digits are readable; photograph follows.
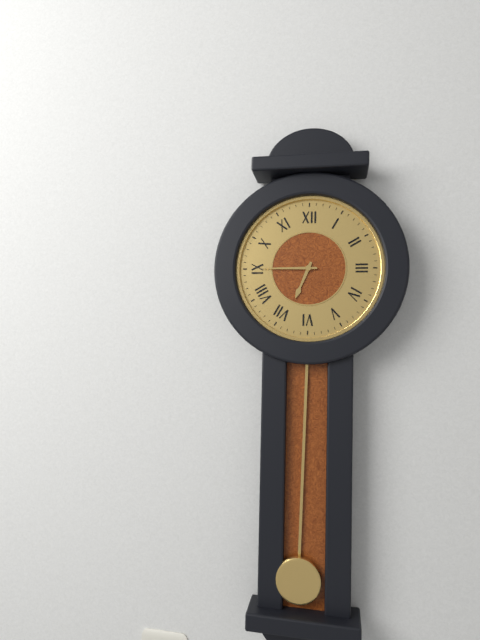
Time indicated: 6:45
